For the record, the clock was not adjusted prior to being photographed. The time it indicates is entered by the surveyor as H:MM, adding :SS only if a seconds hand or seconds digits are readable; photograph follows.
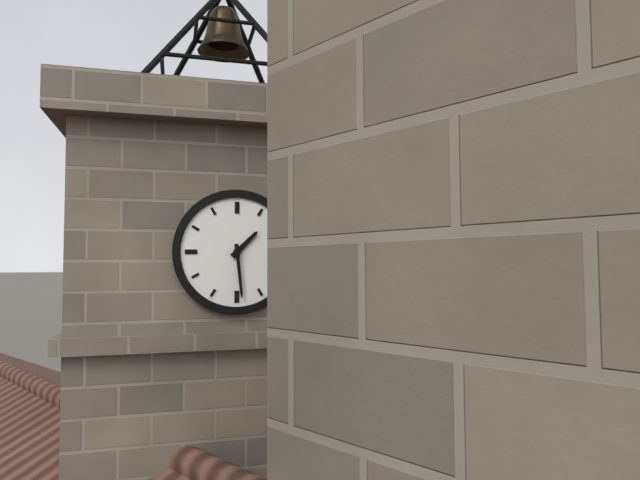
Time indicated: 1:29
